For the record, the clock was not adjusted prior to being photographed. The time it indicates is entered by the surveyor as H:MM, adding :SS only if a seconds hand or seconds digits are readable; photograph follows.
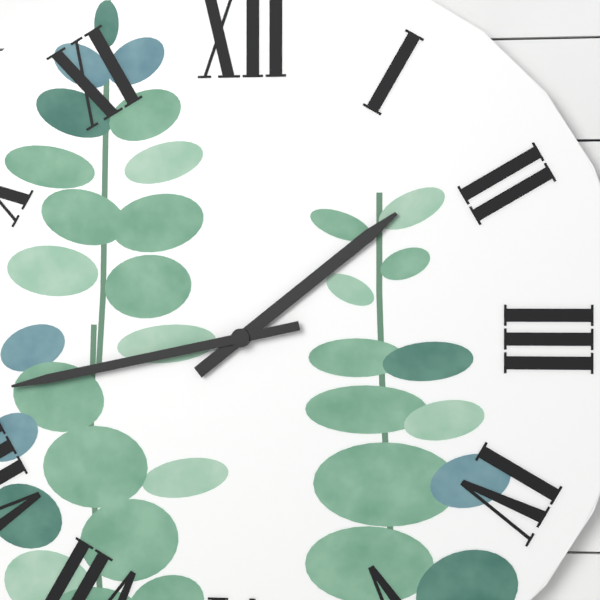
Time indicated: 1:43
